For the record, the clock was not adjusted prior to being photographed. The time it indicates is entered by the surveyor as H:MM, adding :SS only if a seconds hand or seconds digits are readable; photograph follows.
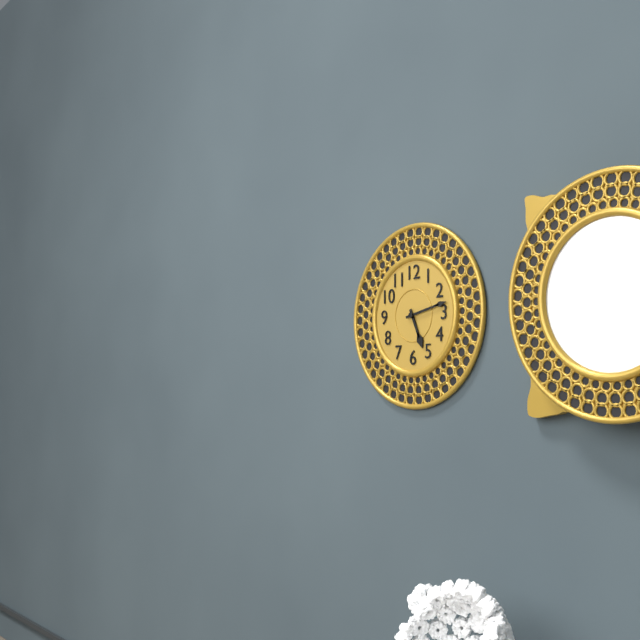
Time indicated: 5:13
